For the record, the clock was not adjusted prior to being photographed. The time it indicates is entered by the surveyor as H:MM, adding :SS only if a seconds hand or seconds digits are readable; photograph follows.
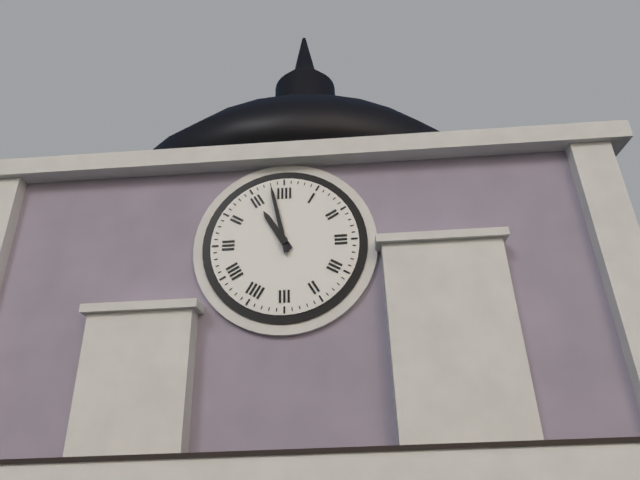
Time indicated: 10:58
